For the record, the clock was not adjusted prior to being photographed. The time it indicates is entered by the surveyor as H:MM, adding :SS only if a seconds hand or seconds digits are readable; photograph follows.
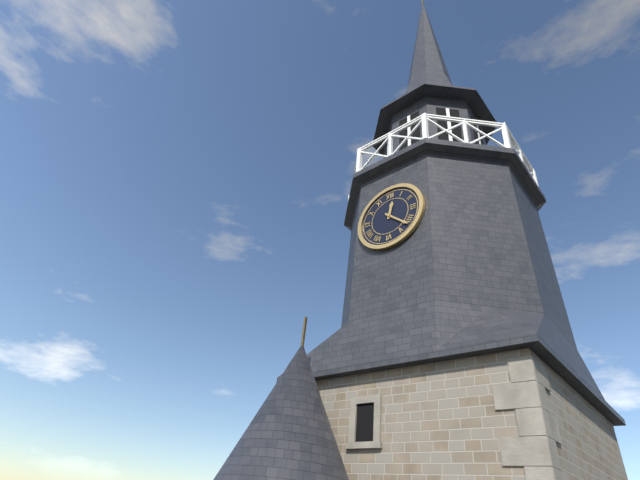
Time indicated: 12:22
